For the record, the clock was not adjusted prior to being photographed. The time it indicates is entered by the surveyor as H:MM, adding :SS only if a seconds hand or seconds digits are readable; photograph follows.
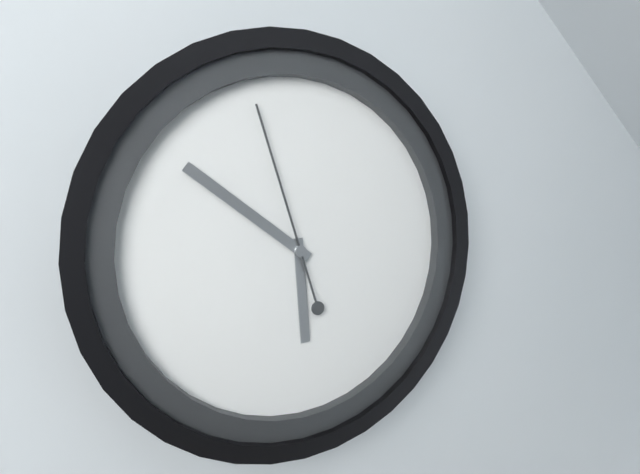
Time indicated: 5:51:57
